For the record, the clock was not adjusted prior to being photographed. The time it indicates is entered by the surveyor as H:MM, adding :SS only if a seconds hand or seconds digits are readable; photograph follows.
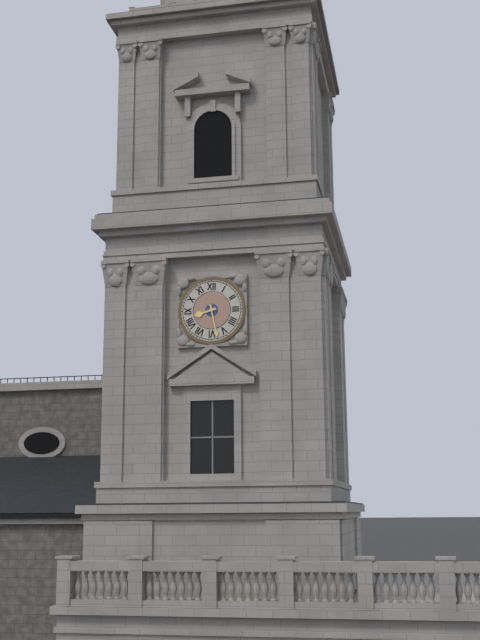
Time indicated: 8:28
